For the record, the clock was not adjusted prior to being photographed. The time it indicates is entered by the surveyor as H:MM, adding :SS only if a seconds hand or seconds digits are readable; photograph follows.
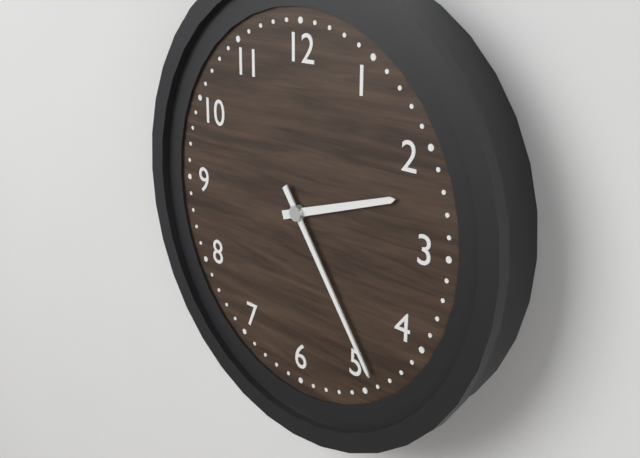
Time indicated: 2:24
